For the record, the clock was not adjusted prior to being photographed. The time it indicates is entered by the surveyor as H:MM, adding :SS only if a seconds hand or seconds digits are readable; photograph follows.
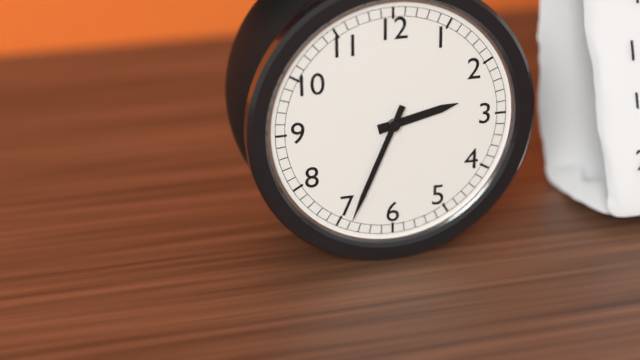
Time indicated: 2:34
